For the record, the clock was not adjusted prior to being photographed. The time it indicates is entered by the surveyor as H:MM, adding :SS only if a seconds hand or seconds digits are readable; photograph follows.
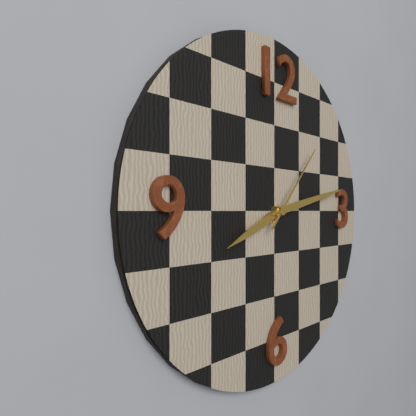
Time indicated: 8:13:07
